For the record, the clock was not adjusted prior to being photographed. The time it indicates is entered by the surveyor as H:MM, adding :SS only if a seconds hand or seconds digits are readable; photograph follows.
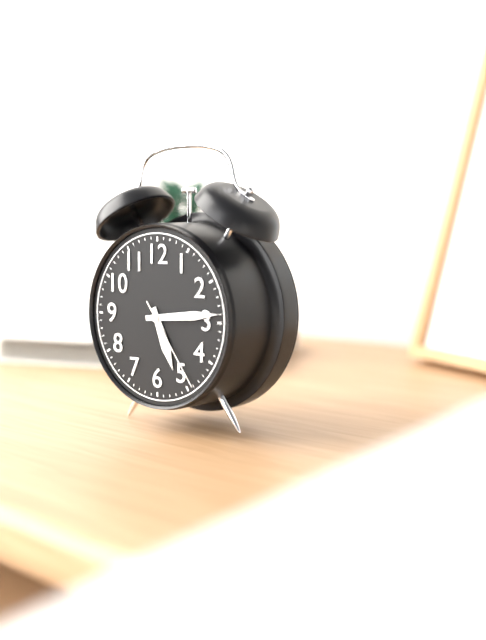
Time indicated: 5:14:24
